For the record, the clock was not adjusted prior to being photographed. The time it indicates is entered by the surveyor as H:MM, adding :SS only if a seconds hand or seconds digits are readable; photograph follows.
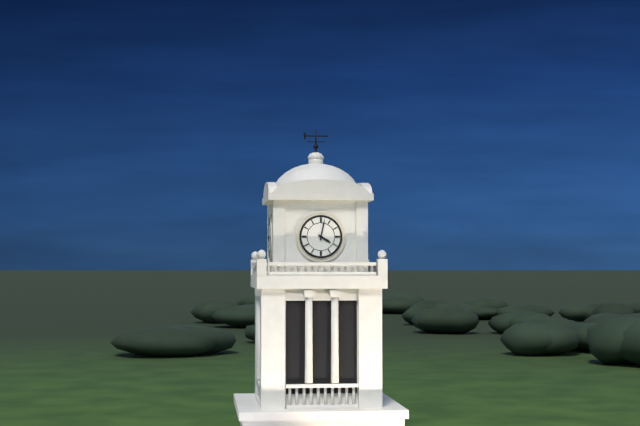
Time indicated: 4:02
